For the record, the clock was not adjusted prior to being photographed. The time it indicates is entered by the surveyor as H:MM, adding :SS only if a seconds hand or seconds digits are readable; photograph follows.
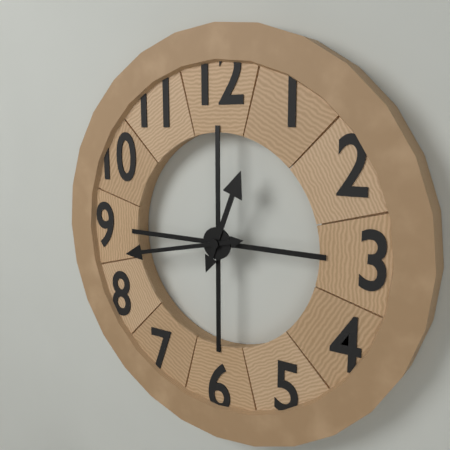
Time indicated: 12:43
